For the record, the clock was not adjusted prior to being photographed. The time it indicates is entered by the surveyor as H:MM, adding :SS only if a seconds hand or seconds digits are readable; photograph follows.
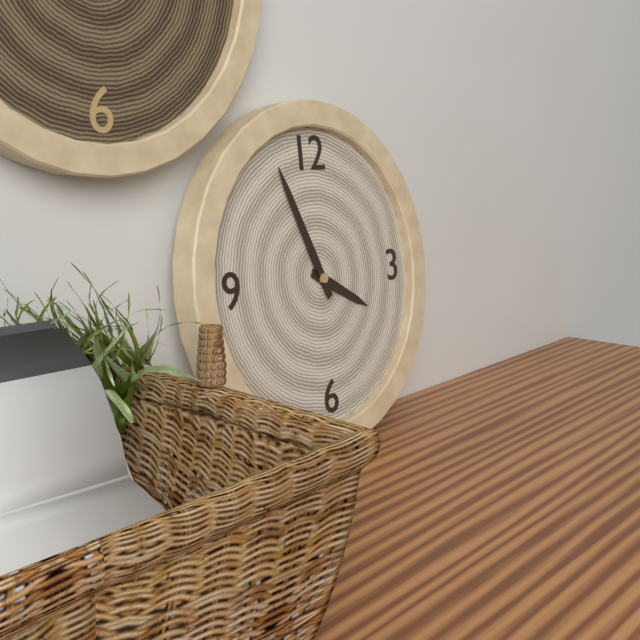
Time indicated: 3:56
